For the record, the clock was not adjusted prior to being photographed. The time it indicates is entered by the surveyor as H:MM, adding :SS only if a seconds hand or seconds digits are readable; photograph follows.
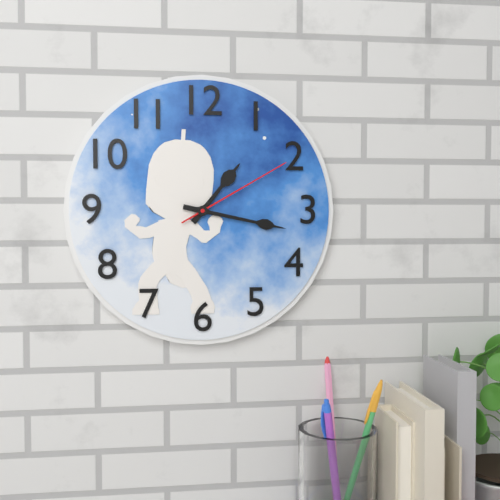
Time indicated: 1:17:10
